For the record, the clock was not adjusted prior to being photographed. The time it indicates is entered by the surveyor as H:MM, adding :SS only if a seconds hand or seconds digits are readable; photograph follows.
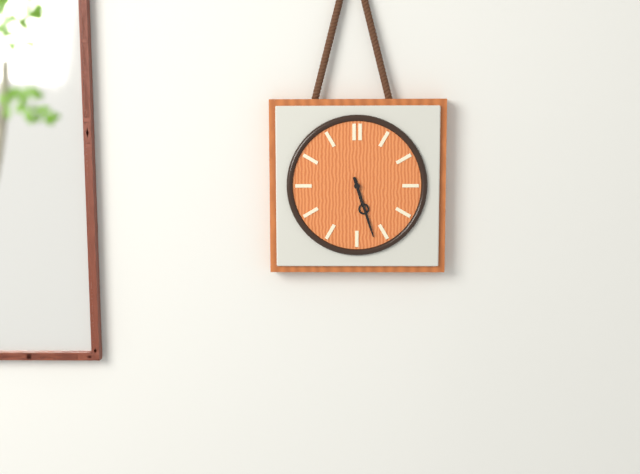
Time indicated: 5:27
